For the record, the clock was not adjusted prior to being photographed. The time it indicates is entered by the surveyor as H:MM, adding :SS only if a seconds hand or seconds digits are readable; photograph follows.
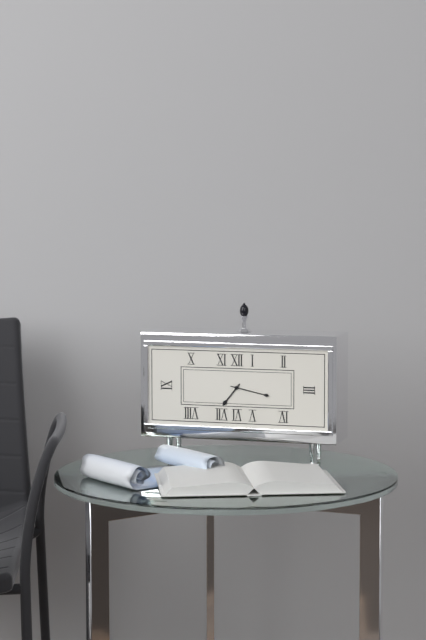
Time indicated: 7:17
